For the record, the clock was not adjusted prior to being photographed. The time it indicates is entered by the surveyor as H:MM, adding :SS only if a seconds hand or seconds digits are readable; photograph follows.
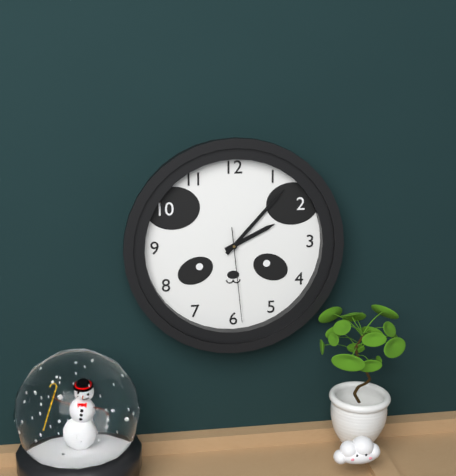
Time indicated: 2:07:29
